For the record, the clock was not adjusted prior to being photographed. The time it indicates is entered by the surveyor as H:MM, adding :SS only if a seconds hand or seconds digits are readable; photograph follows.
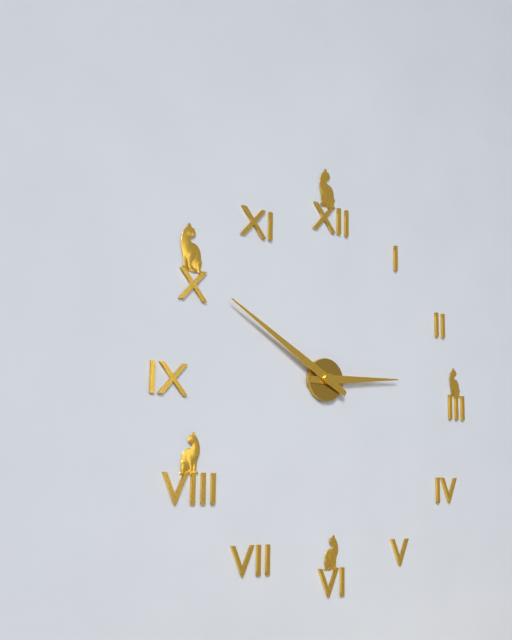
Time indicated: 2:50
